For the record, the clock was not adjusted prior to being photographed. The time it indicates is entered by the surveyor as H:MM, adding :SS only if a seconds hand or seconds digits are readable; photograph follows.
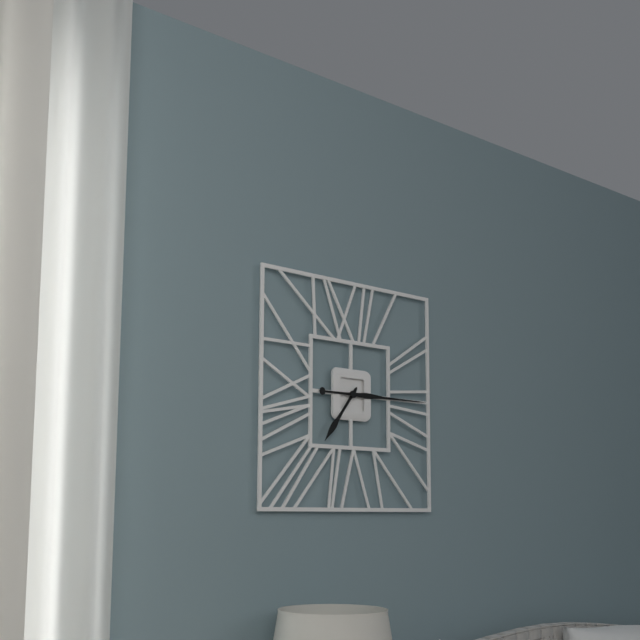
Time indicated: 7:15
